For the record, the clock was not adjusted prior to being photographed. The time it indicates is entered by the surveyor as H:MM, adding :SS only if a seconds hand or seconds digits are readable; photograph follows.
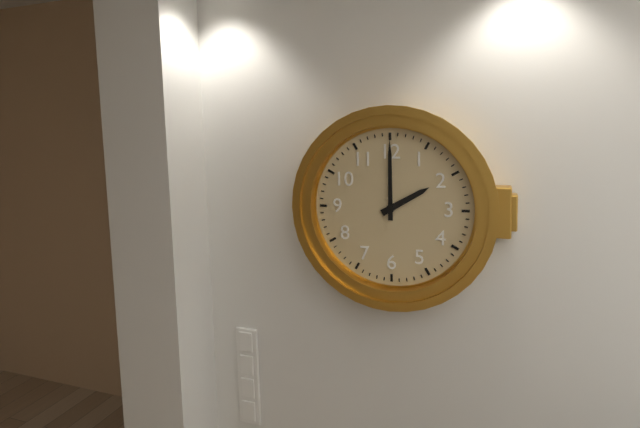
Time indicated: 2:00
